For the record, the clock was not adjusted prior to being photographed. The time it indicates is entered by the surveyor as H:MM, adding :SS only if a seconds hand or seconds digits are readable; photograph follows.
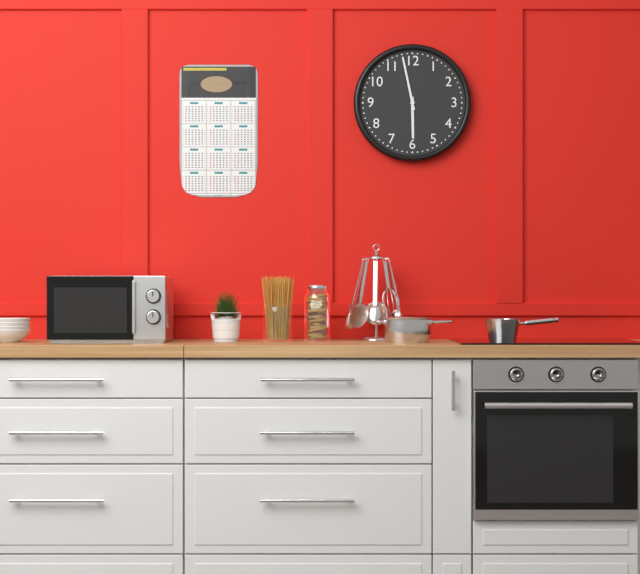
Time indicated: 5:58
